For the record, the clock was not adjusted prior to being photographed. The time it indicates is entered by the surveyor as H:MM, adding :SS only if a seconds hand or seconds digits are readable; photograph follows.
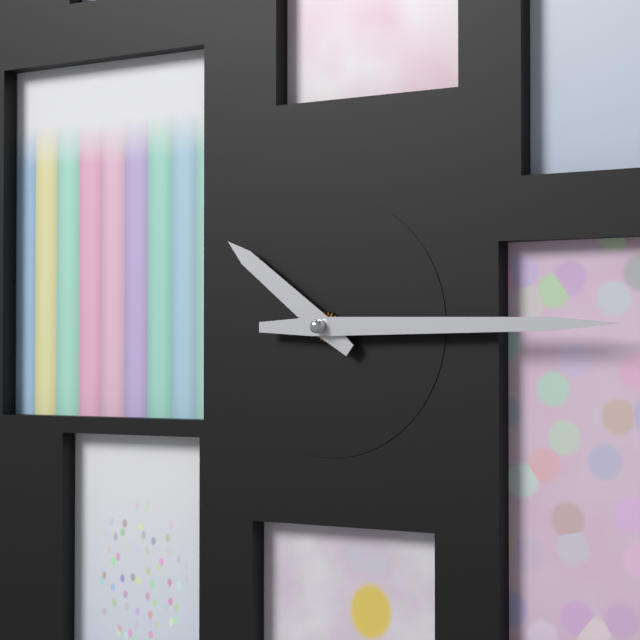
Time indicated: 10:15
